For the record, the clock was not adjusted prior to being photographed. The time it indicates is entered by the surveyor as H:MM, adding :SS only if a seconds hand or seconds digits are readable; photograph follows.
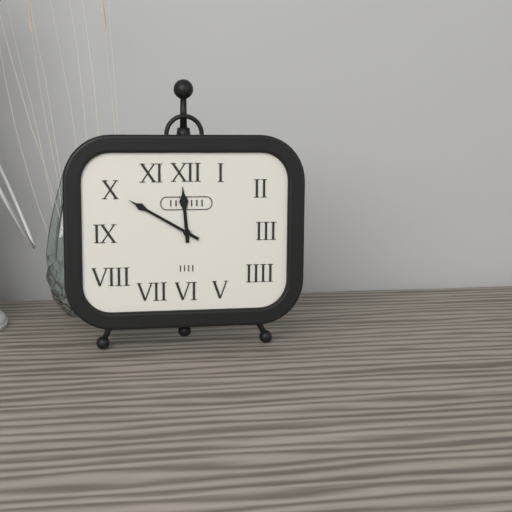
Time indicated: 11:50
